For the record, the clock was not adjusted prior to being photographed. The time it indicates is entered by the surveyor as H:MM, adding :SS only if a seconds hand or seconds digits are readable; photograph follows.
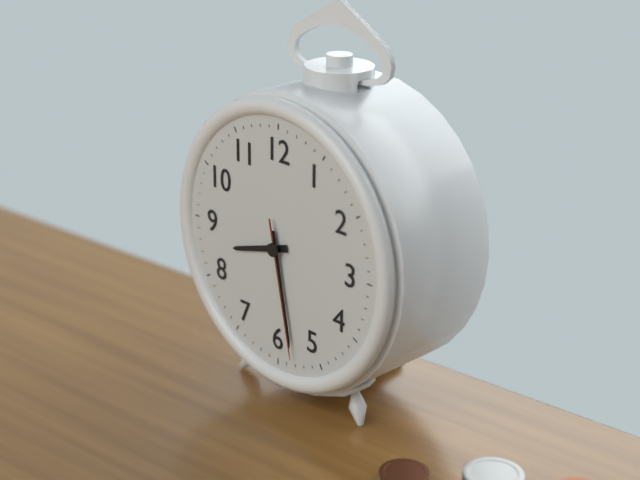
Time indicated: 8:28:28
